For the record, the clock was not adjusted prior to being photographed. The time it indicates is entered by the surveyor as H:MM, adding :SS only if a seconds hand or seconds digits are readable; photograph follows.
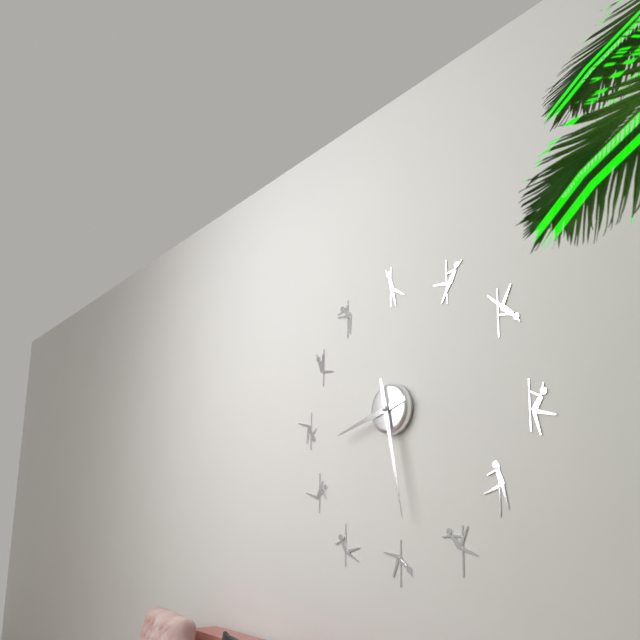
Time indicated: 8:28
